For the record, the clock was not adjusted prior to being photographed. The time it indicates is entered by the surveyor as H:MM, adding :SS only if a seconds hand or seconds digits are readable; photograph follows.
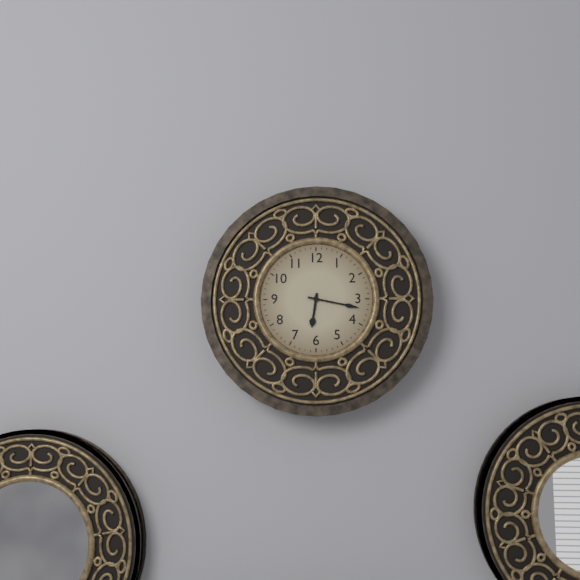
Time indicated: 6:17
